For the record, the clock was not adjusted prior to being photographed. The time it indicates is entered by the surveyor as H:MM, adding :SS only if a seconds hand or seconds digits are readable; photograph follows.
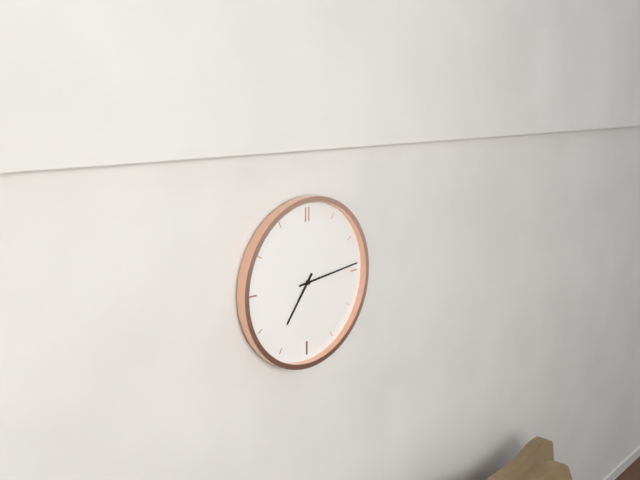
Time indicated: 7:14
